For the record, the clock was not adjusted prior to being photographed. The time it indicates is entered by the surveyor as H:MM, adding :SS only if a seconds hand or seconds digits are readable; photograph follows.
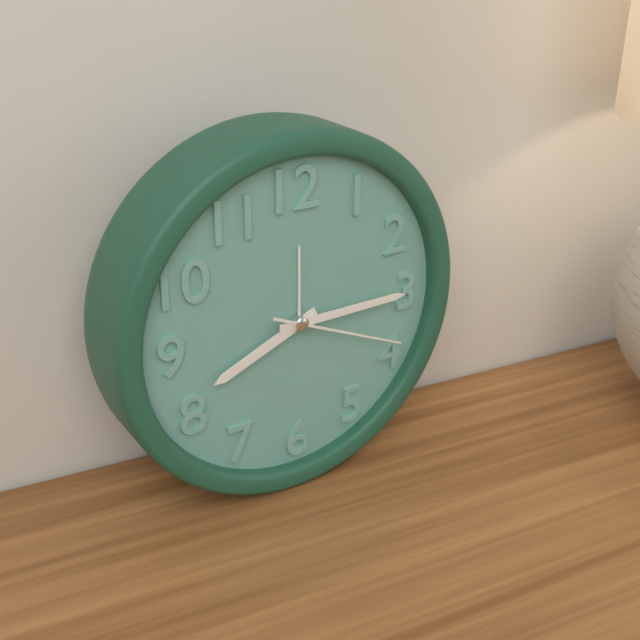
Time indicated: 8:15:19
